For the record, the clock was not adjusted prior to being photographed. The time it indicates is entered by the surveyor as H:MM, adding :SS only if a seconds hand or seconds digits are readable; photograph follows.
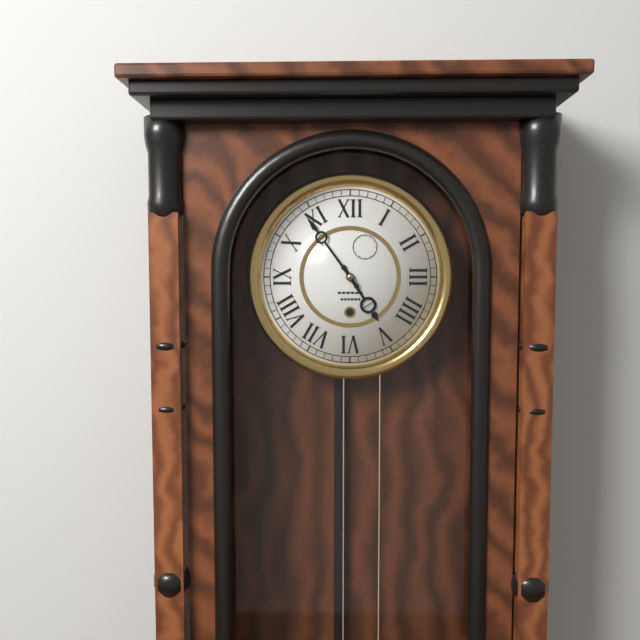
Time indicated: 4:54
